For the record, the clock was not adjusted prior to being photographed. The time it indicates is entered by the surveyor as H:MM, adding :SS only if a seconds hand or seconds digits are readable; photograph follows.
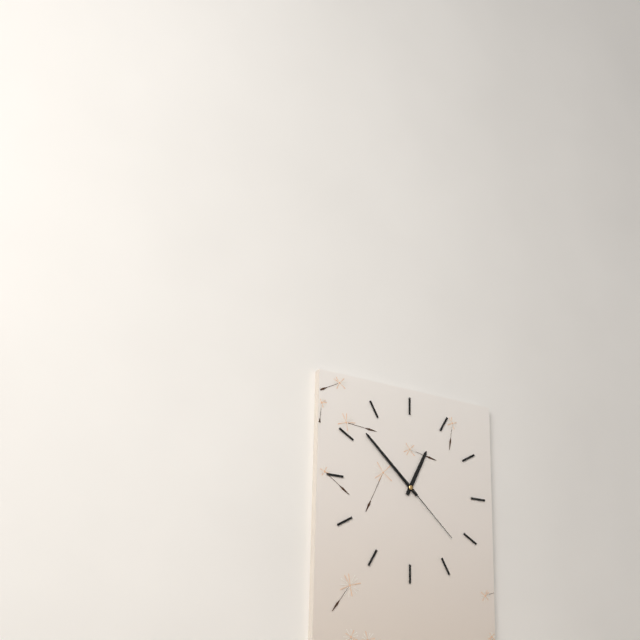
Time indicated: 12:52:22
